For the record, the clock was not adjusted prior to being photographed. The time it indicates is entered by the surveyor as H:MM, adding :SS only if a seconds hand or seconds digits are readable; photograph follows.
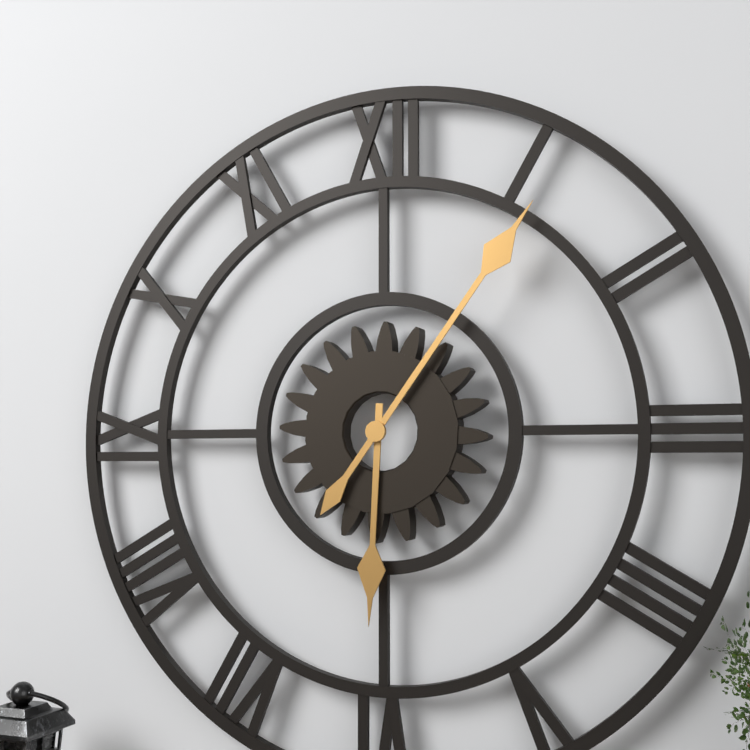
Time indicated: 6:06
